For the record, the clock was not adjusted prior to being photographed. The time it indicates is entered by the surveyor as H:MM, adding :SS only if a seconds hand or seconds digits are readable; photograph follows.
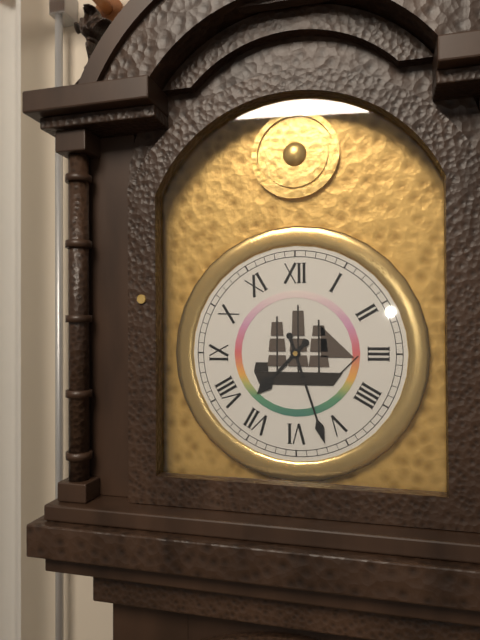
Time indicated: 7:27
